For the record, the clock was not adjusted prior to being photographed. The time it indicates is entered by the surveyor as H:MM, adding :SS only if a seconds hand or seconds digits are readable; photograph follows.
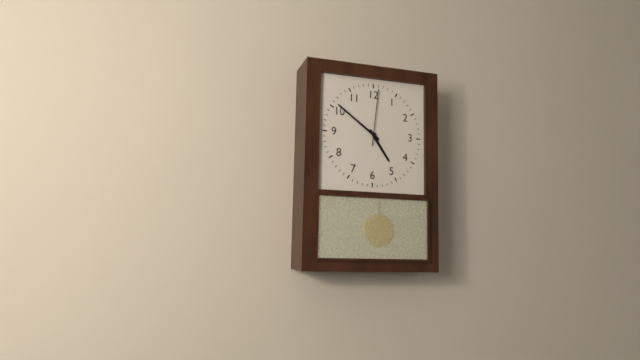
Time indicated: 4:51:01
